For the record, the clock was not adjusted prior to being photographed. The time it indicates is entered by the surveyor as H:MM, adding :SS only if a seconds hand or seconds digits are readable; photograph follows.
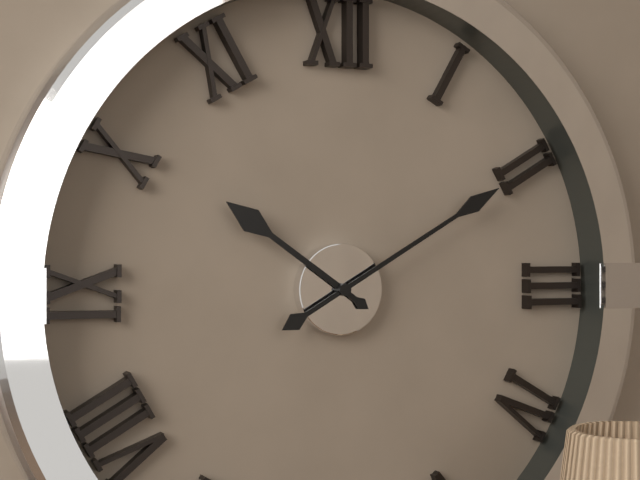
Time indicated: 10:10
